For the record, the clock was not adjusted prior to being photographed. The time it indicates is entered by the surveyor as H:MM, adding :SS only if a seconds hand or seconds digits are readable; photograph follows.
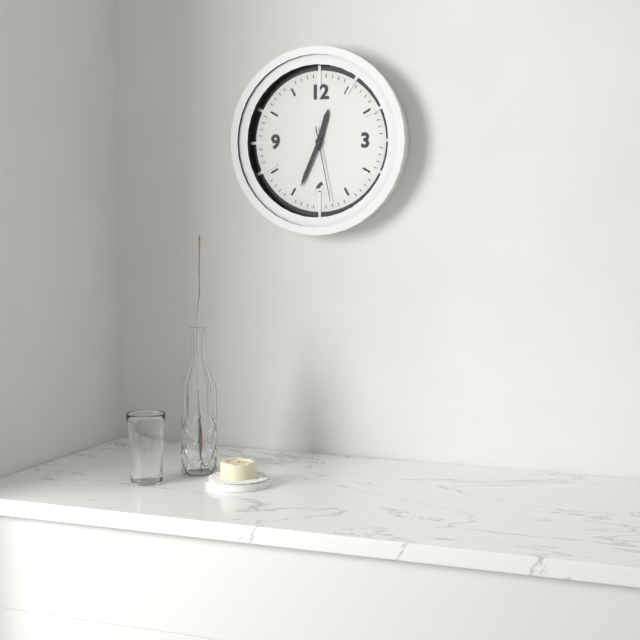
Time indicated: 12:34:28
